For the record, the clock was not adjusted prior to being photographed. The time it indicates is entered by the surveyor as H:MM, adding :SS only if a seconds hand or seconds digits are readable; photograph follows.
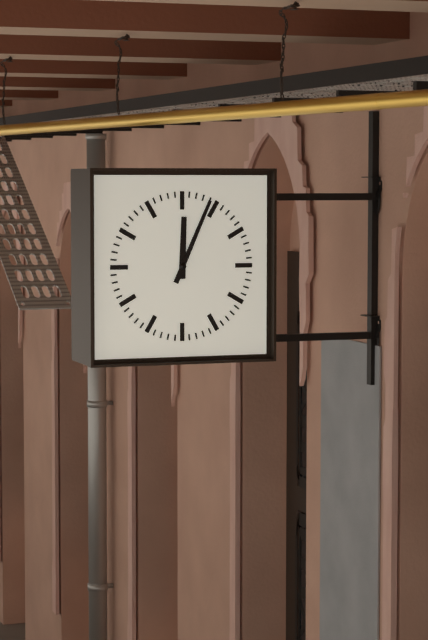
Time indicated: 12:04
